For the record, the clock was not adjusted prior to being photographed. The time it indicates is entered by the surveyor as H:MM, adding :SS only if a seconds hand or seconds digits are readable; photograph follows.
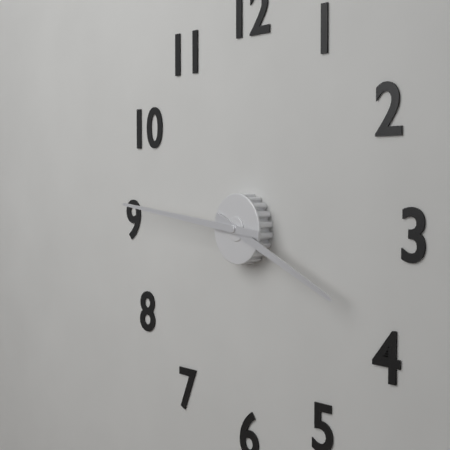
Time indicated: 3:46
